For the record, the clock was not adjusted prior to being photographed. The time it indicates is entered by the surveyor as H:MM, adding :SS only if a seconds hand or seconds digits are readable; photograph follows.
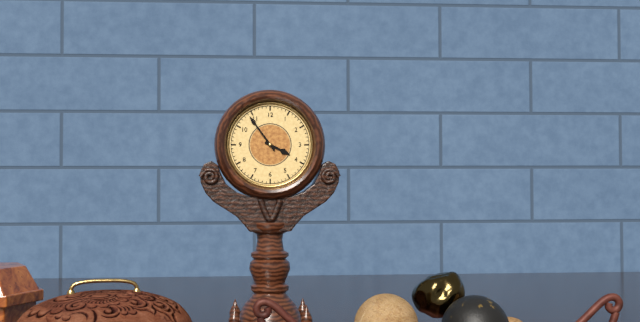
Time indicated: 3:54
